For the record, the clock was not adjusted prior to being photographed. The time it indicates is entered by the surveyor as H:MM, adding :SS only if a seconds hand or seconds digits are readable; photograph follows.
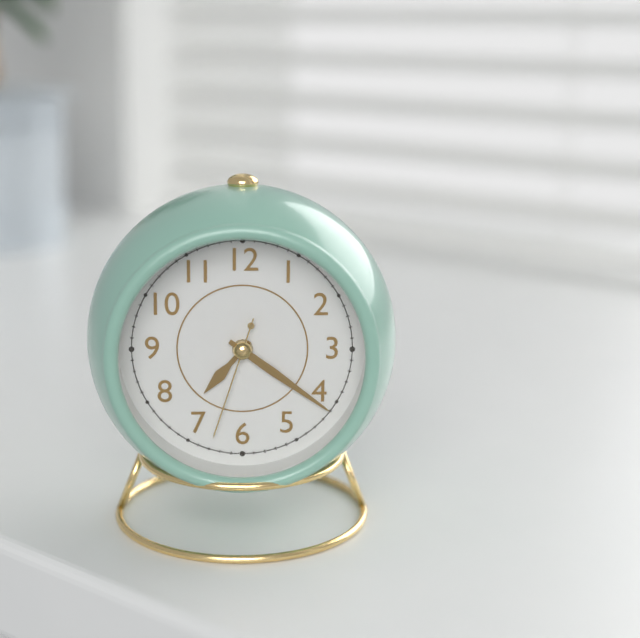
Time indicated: 7:21:33
